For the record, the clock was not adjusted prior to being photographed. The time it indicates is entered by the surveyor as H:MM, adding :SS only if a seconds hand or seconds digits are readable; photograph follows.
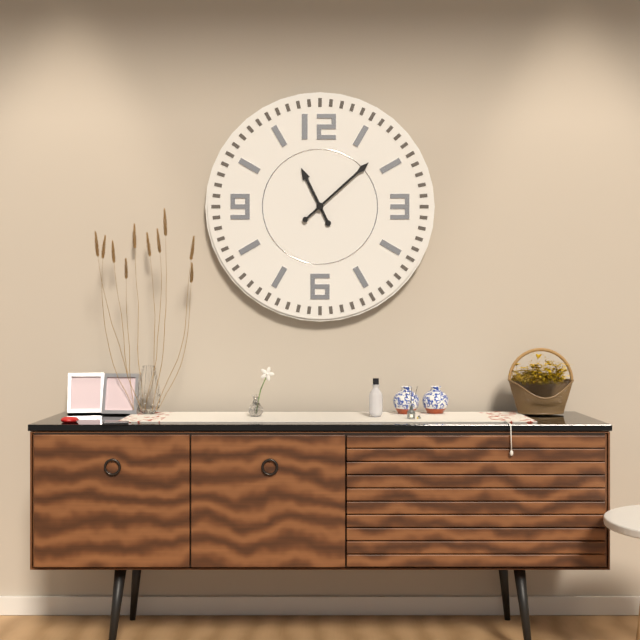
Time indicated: 11:08
